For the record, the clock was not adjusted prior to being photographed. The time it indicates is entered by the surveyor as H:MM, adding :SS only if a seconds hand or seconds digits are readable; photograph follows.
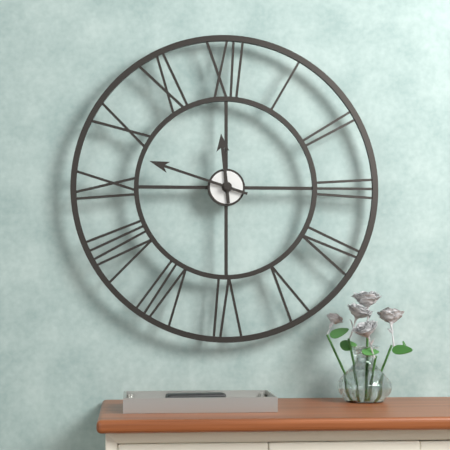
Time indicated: 11:48
